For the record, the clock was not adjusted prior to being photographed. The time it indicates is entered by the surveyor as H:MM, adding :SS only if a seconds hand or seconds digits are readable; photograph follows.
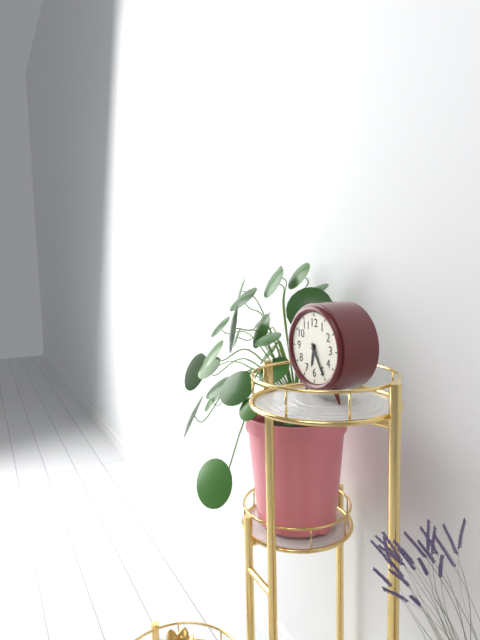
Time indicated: 6:25
